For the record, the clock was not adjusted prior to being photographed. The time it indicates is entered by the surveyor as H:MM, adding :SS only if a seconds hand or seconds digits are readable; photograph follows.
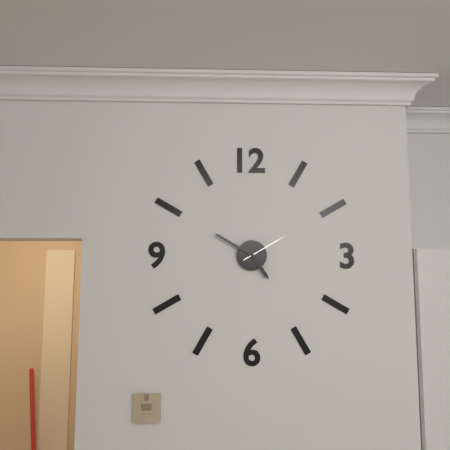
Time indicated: 4:50
